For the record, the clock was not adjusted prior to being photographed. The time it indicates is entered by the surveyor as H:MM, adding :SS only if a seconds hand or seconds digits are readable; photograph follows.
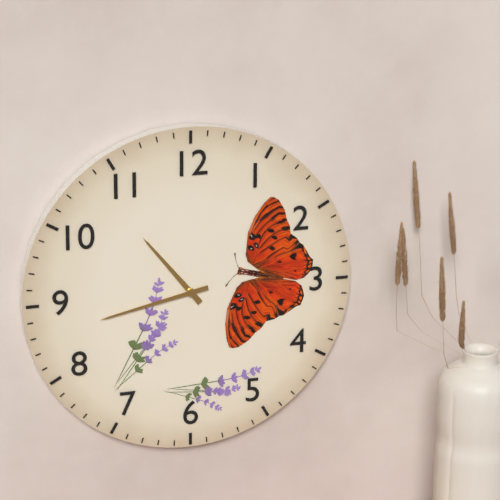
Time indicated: 10:43
